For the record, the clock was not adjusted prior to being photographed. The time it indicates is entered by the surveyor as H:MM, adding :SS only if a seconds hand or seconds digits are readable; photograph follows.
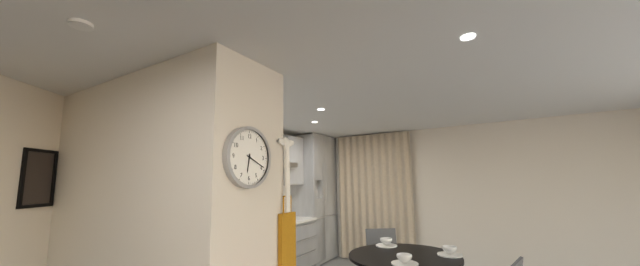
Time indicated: 6:19
